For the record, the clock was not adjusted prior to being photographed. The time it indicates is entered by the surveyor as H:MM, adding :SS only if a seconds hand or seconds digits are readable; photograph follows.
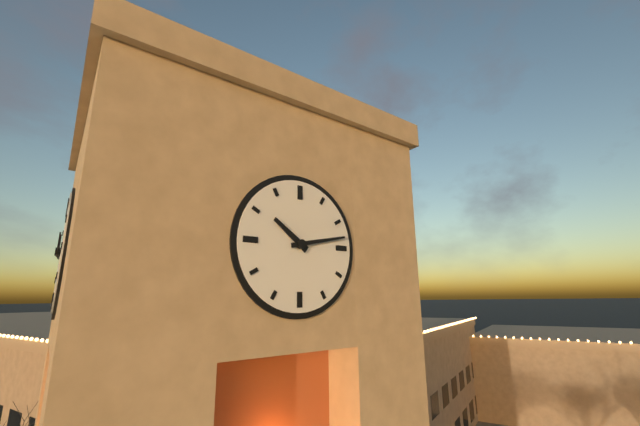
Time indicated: 10:13
